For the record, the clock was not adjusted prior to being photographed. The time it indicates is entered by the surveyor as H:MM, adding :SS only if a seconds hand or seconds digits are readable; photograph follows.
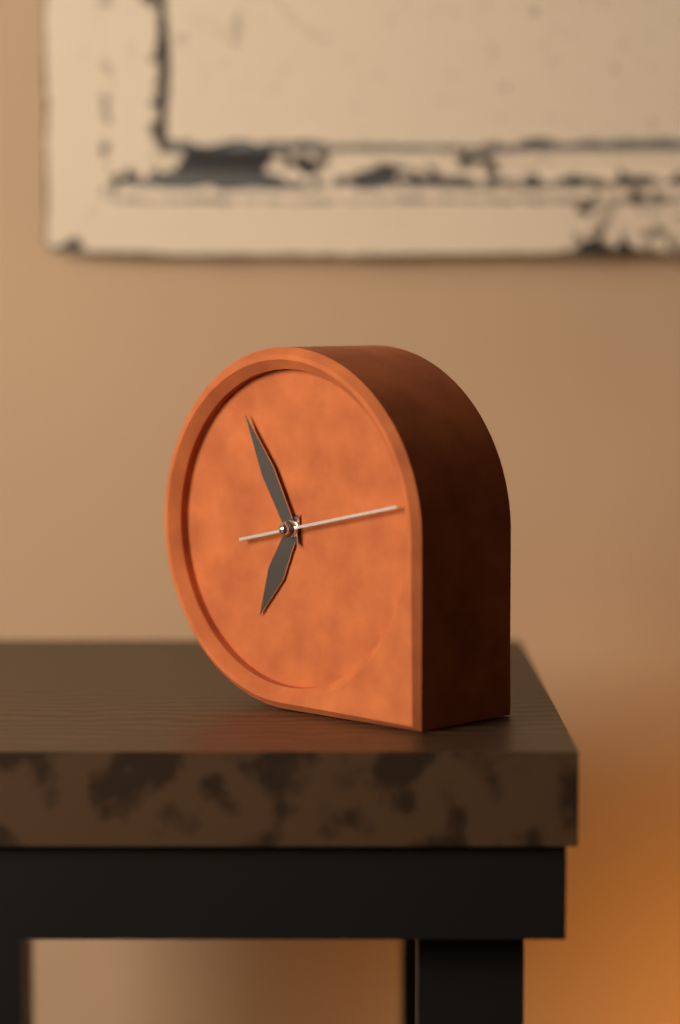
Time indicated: 6:55:13
